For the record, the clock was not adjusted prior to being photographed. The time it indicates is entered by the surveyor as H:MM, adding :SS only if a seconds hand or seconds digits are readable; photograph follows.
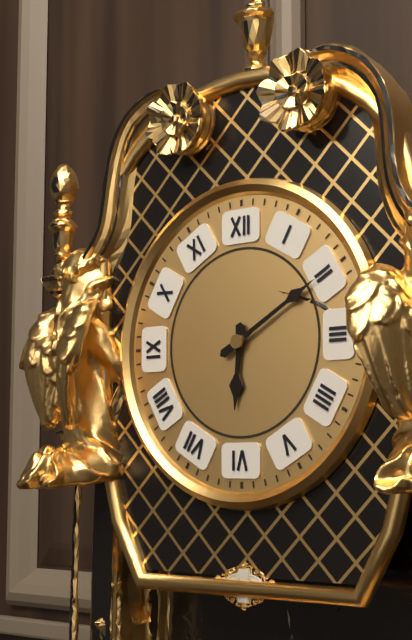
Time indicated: 6:10
